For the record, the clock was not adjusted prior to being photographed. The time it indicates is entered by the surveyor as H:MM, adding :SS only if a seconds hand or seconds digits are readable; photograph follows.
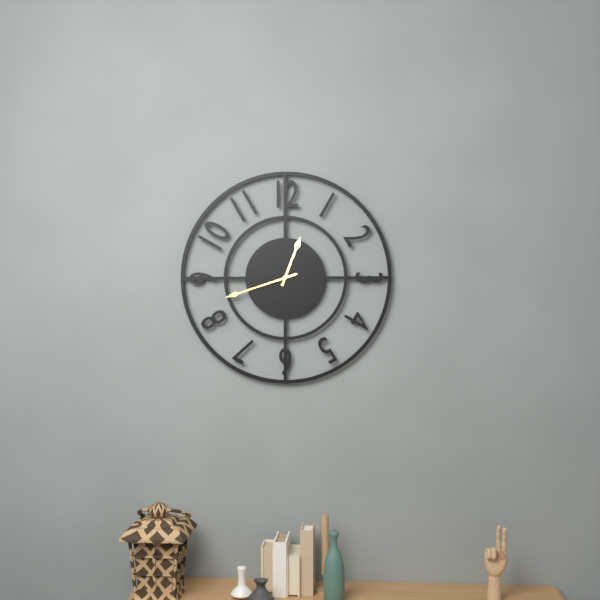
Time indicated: 12:42
